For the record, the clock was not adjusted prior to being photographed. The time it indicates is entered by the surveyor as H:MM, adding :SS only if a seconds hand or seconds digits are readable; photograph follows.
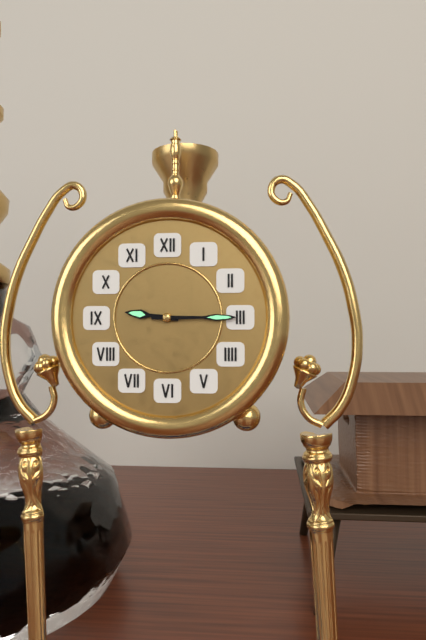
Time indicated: 9:15
